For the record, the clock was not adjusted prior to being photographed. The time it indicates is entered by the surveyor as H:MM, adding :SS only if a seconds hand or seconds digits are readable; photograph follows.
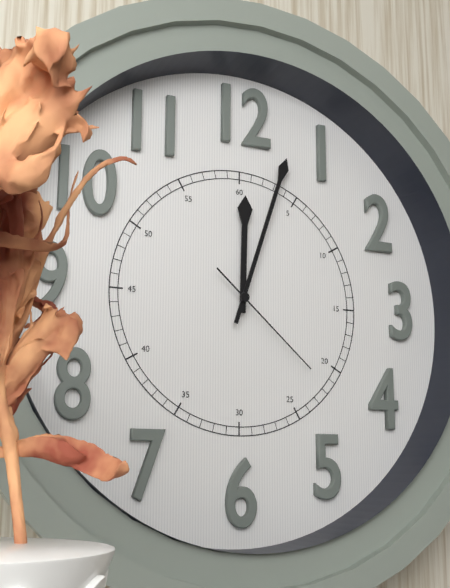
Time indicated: 12:03:22
